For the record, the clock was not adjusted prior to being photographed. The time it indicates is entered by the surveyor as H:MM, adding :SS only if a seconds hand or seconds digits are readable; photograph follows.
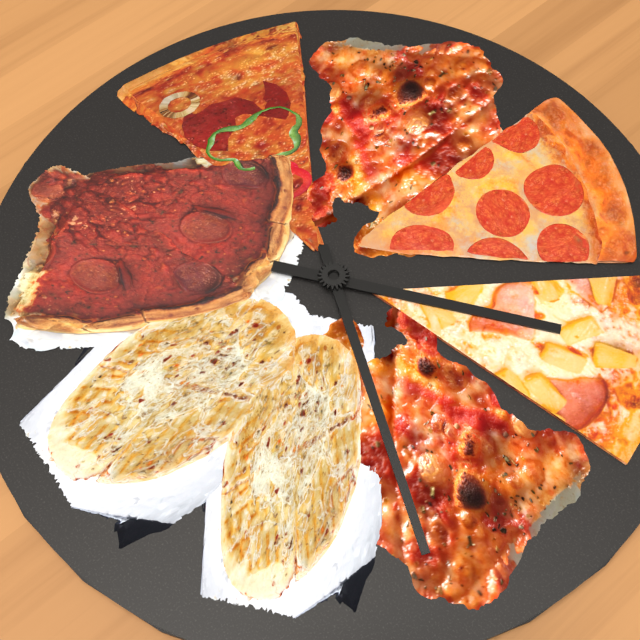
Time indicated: 7:49
